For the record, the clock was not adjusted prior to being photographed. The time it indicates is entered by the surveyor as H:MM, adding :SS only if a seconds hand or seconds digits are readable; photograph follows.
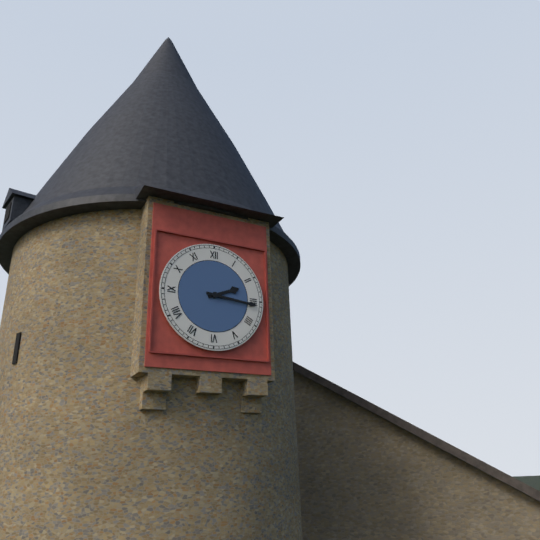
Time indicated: 2:16
